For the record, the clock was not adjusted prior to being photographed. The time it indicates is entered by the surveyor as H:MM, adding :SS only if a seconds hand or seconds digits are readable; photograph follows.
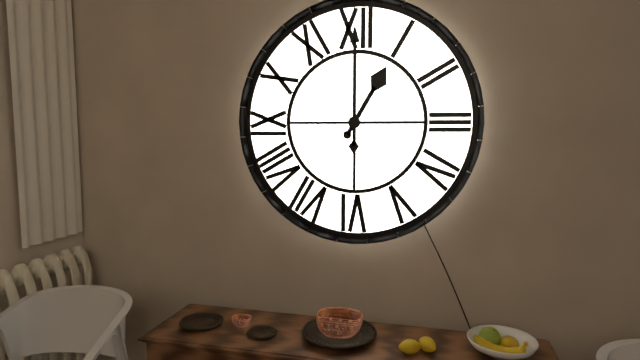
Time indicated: 1:00
